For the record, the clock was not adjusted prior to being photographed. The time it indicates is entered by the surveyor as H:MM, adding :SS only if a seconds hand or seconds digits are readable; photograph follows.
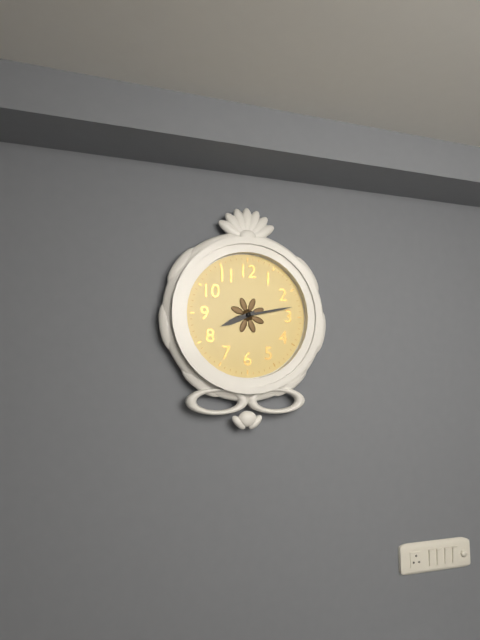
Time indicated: 8:13
